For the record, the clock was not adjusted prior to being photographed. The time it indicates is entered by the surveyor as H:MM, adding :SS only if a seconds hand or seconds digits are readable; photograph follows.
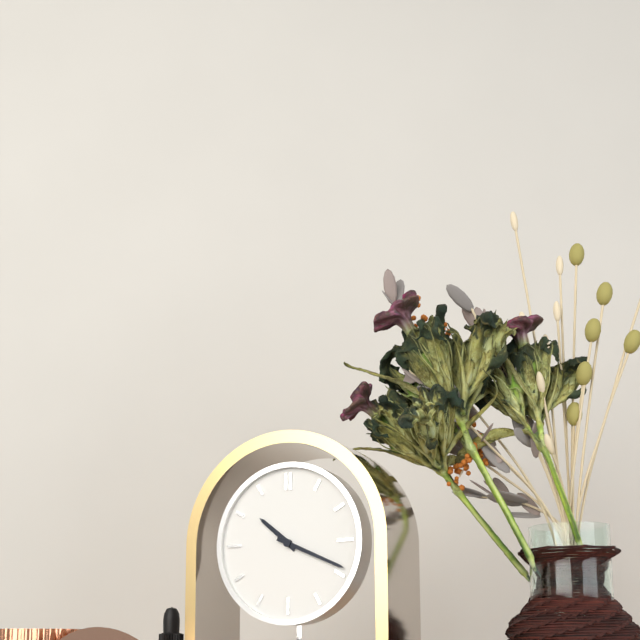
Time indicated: 10:19
